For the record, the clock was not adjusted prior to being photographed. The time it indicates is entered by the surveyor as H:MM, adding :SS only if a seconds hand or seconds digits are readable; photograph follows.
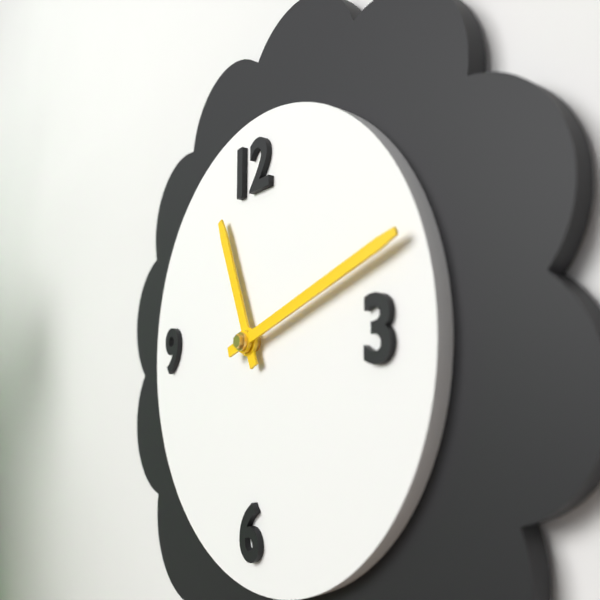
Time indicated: 11:12
